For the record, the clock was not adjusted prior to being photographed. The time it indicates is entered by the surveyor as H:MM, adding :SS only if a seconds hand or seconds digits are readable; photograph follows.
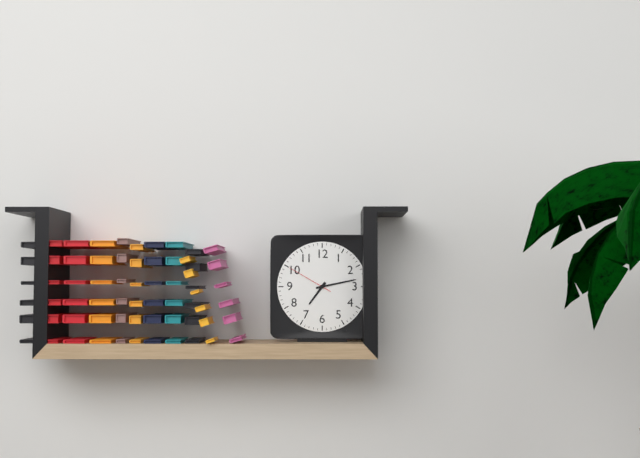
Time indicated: 7:13
